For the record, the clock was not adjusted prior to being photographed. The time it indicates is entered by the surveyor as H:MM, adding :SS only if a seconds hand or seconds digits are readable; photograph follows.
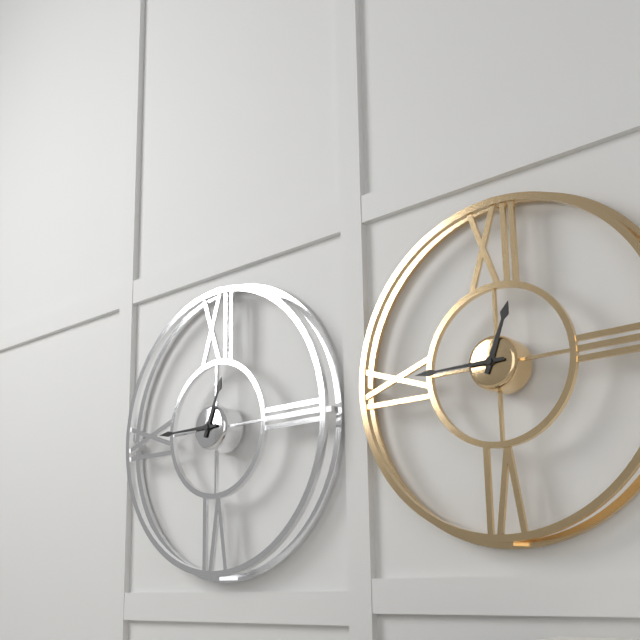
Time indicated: 12:45
